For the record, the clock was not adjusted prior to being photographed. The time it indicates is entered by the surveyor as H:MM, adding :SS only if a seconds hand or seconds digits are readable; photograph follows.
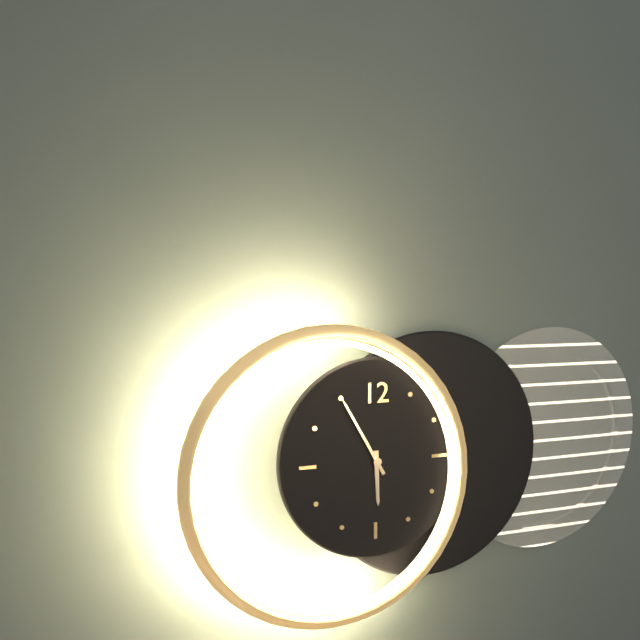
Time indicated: 5:55
